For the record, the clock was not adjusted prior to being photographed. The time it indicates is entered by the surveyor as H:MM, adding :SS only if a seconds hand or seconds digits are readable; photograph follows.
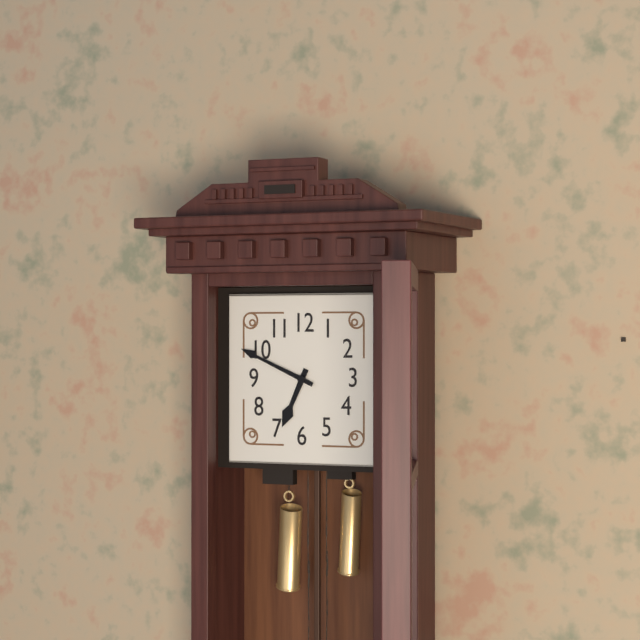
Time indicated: 6:49
